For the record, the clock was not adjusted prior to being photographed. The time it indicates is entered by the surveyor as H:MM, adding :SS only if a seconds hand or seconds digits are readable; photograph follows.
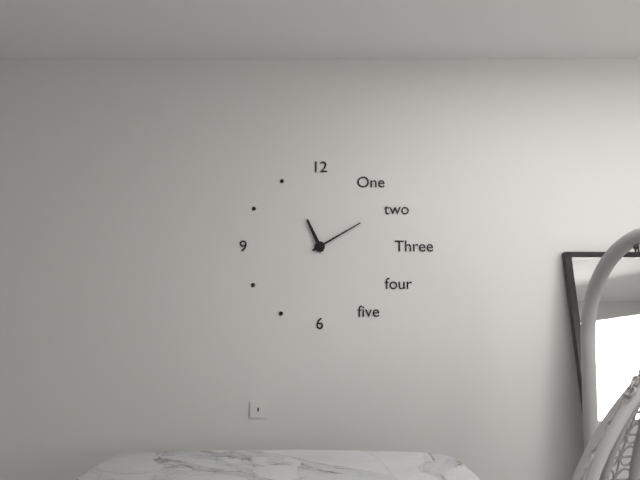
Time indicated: 11:10
